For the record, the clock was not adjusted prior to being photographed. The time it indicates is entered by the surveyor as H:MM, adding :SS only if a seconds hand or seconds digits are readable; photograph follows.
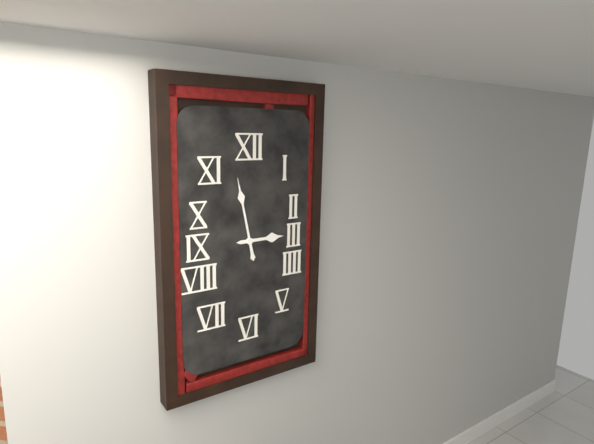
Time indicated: 2:58
